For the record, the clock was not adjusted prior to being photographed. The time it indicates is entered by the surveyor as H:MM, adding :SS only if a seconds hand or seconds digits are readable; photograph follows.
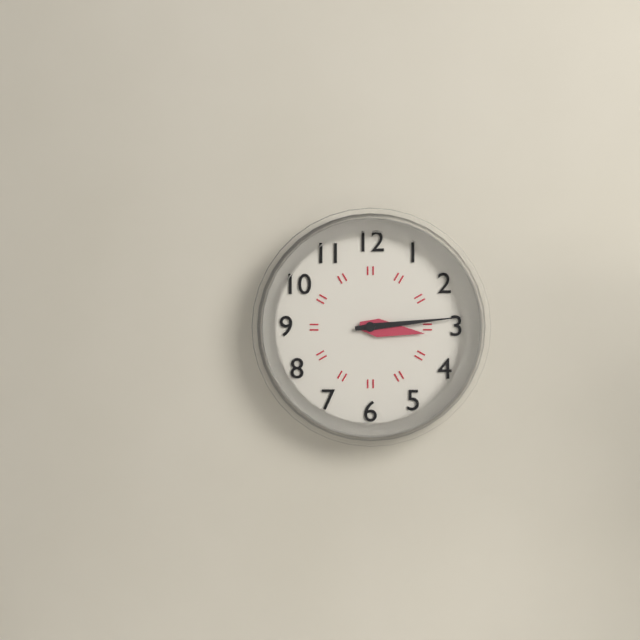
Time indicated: 3:14
